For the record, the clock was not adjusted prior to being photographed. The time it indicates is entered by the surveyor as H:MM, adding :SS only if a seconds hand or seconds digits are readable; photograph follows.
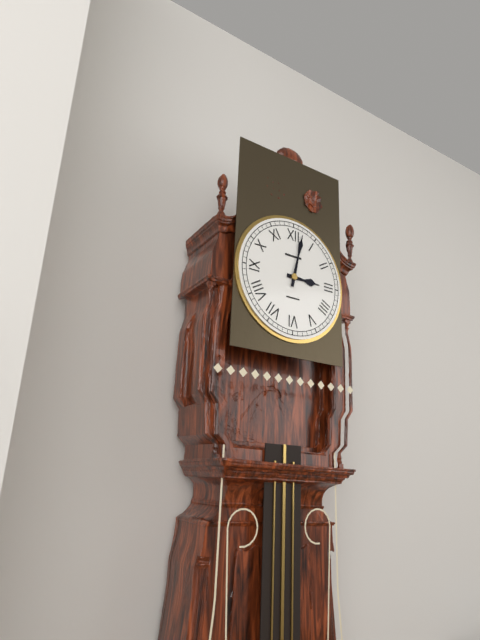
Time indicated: 3:02
